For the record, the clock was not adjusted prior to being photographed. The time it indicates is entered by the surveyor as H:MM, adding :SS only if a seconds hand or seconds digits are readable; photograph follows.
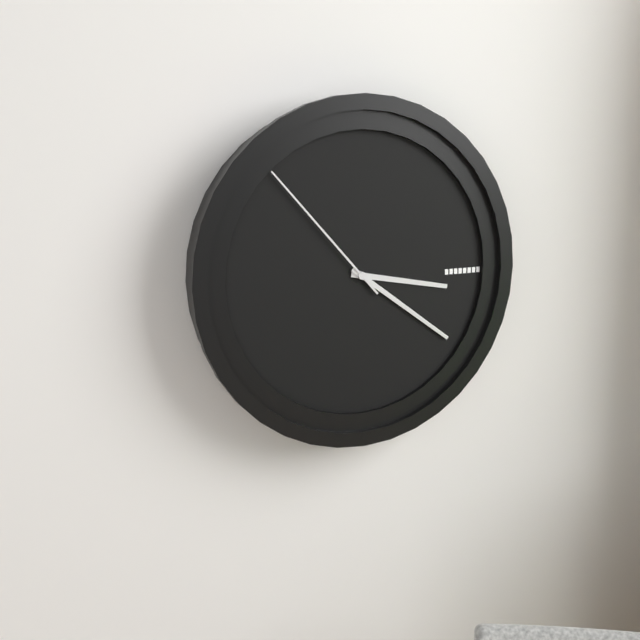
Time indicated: 3:21:53
